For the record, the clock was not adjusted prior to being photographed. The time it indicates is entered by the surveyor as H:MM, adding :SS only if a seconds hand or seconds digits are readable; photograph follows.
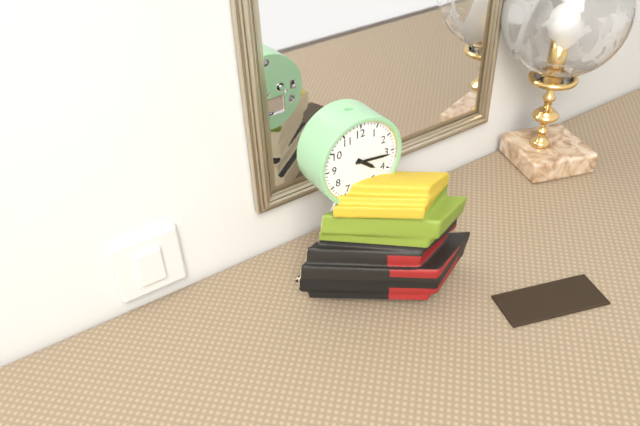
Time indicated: 4:16
